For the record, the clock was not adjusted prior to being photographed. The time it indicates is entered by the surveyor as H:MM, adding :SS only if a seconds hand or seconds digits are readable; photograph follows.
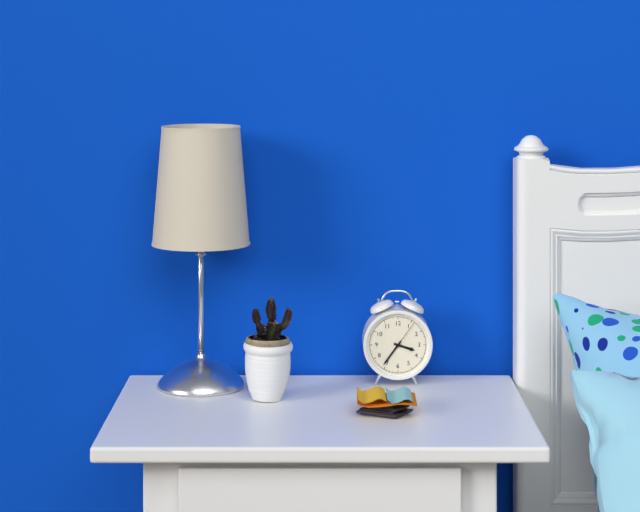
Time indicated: 3:36
